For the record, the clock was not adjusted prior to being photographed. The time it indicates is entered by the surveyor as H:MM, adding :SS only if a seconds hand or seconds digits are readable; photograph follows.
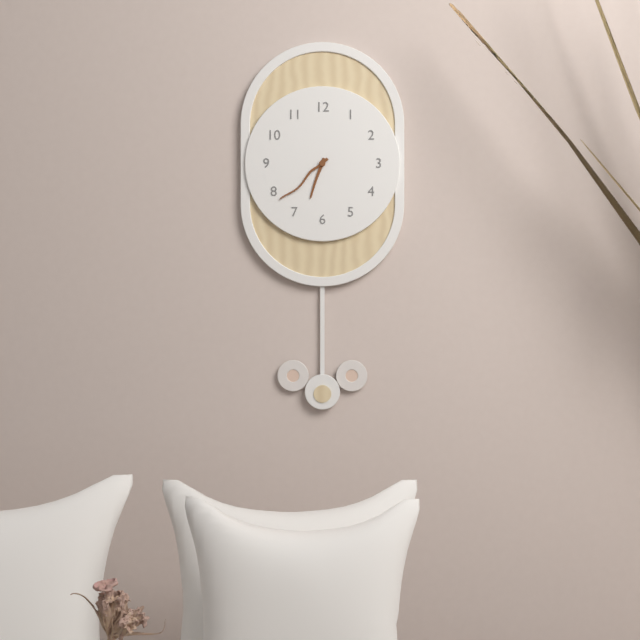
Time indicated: 6:38
